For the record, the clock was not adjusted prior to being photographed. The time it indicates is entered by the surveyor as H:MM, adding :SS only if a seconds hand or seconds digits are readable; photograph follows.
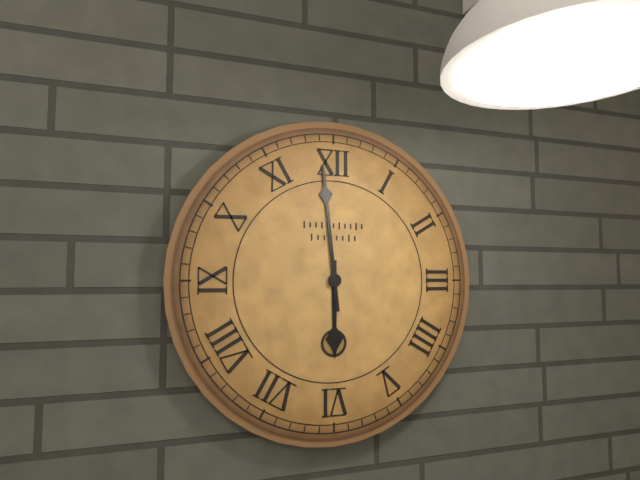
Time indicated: 5:59
